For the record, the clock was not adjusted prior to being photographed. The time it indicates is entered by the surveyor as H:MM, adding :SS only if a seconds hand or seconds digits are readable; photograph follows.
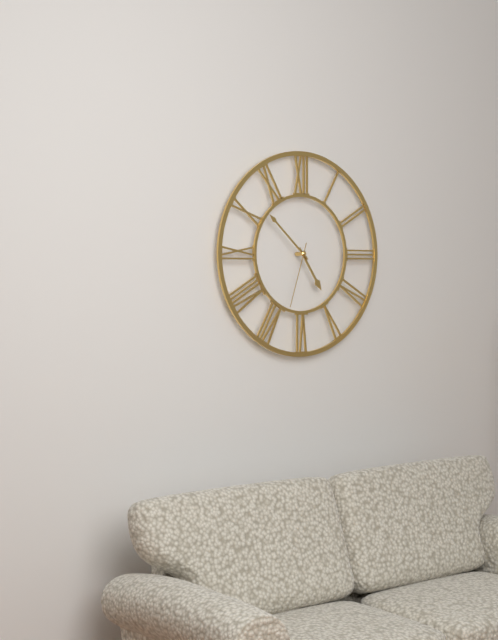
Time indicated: 4:52:33
